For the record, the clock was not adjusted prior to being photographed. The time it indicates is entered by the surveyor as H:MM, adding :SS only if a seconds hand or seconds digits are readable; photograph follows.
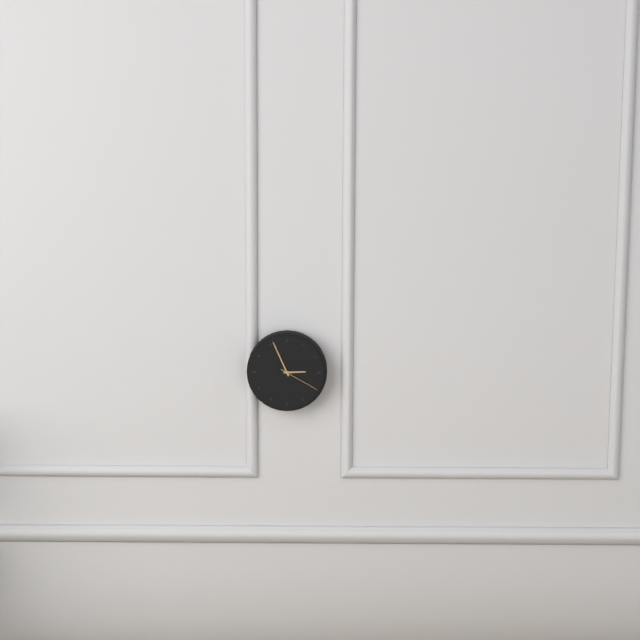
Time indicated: 2:56
